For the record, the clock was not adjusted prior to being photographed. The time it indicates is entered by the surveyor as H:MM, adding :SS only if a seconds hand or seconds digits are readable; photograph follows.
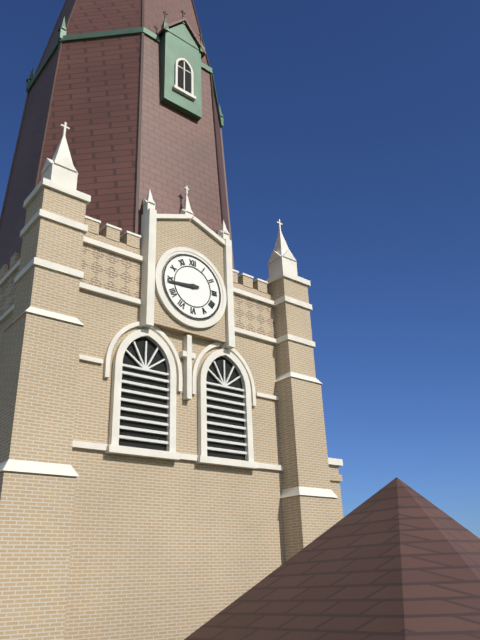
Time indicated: 8:44
